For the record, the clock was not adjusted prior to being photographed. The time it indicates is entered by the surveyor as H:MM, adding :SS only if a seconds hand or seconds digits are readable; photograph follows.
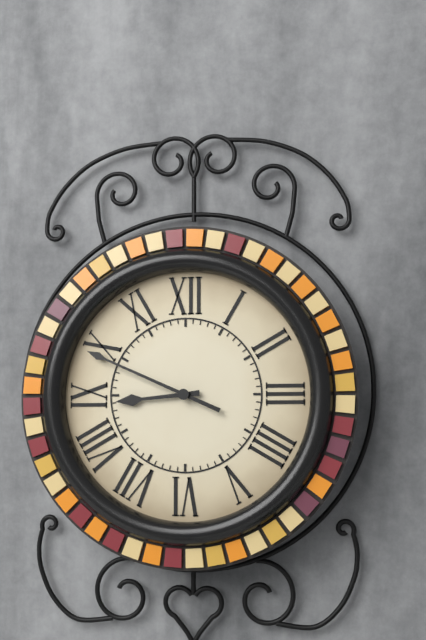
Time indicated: 8:49
